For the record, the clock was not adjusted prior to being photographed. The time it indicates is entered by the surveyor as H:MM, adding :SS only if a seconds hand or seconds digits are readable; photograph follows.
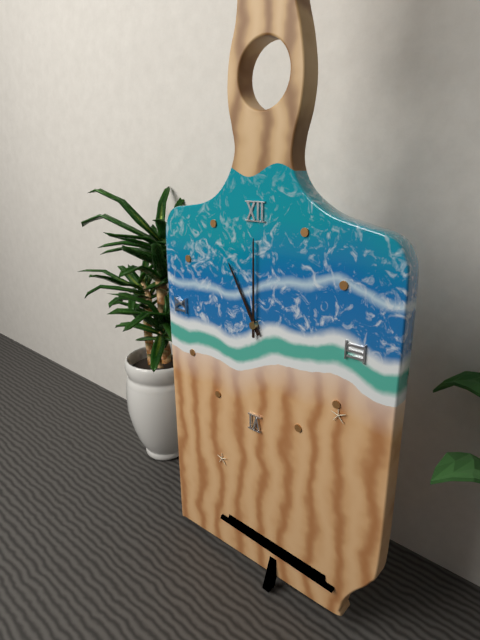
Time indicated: 11:00
